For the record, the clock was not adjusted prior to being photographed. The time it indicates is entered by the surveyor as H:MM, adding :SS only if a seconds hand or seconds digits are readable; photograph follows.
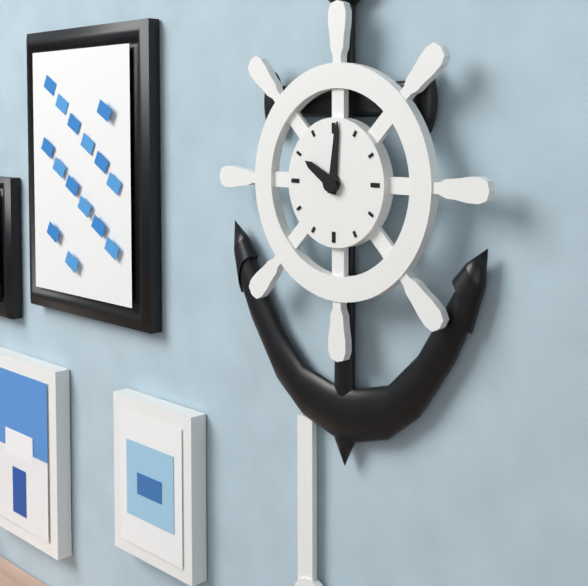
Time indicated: 10:01
